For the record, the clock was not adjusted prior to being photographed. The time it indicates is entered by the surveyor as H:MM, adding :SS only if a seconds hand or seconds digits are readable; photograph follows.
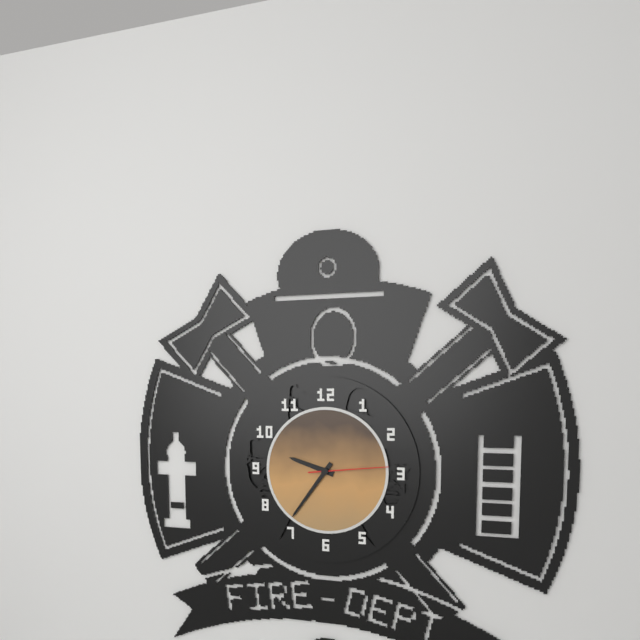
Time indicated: 9:36:14
